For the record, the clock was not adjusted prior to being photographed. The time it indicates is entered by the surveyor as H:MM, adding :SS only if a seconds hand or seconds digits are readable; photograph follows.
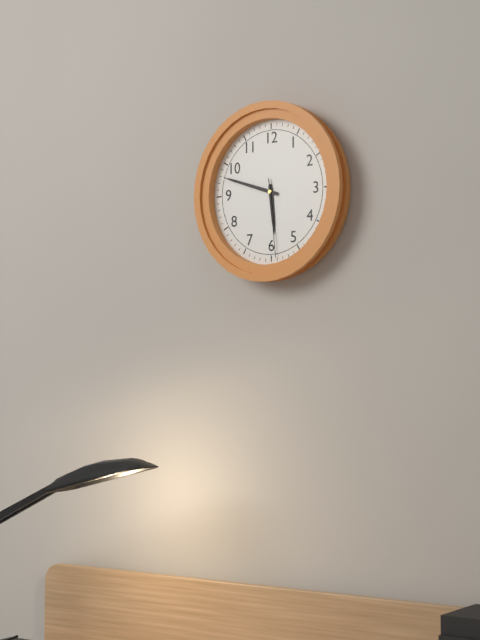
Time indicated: 5:48:29
